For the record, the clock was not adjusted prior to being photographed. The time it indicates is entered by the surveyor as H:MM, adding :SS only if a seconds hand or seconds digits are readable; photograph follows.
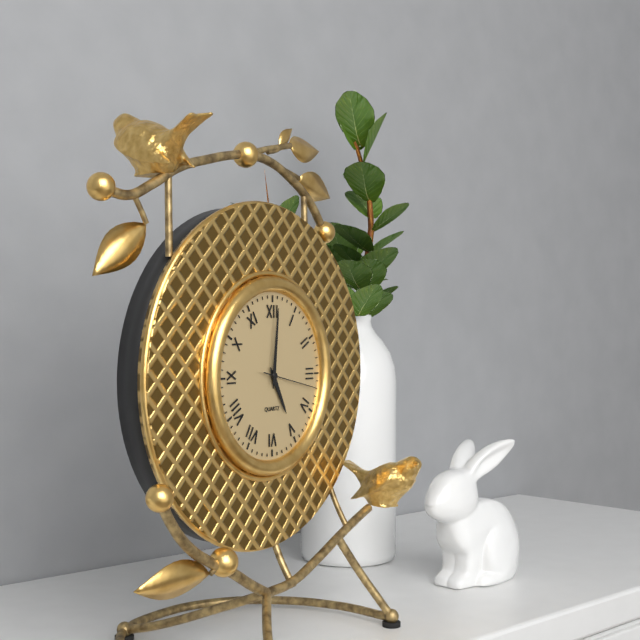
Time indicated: 5:01:17
